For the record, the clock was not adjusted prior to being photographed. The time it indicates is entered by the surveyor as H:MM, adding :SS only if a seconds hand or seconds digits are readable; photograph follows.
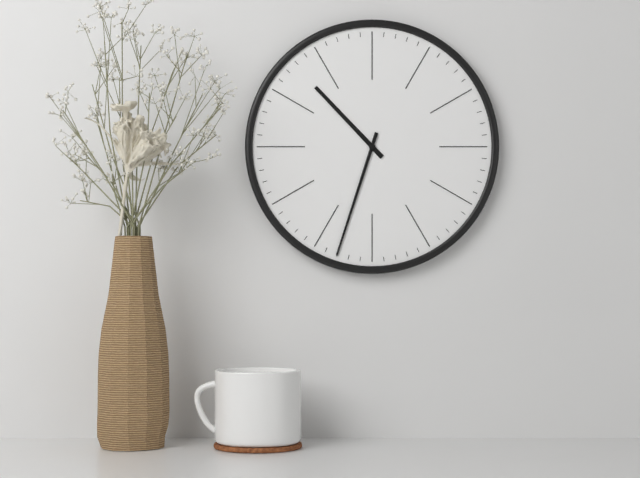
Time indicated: 10:33
